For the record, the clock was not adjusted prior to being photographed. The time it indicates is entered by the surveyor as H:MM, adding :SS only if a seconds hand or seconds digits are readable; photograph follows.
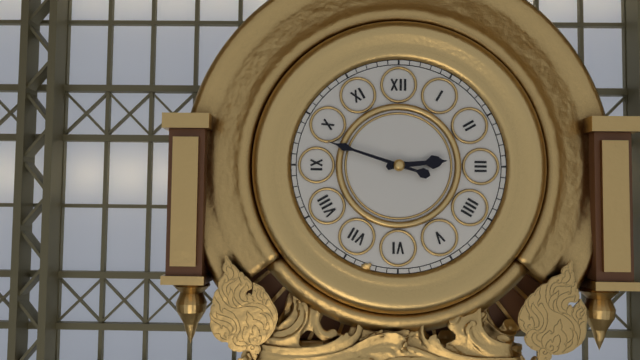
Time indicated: 2:48
